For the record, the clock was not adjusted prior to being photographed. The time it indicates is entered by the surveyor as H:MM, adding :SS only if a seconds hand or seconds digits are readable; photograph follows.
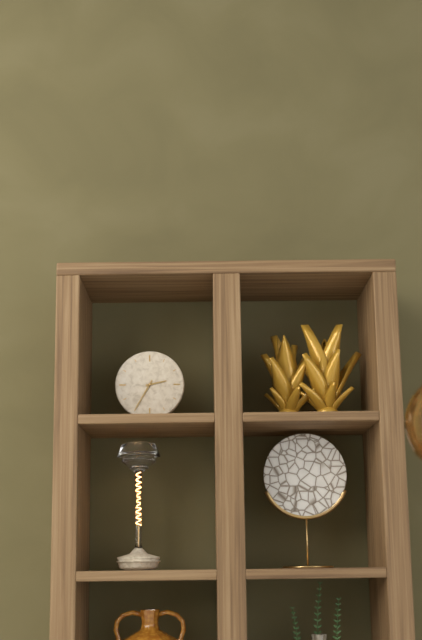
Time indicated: 2:35
